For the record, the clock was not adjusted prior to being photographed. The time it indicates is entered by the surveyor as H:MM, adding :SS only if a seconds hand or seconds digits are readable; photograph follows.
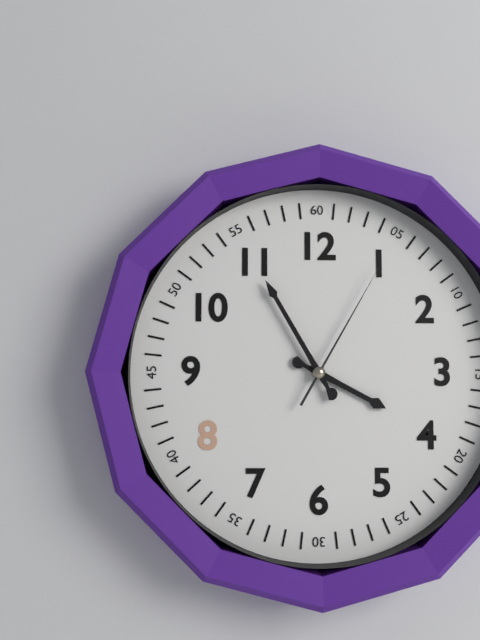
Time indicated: 3:55:05
